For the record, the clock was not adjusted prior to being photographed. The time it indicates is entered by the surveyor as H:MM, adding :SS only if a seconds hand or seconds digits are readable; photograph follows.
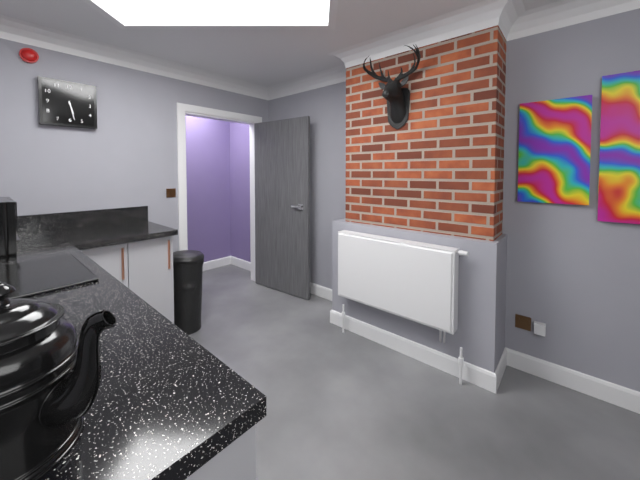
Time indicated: 5:28
